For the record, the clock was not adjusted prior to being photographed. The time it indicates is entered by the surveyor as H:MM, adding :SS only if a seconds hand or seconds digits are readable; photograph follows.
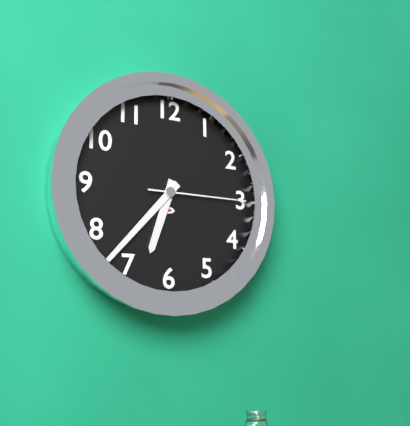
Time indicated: 6:37:15
